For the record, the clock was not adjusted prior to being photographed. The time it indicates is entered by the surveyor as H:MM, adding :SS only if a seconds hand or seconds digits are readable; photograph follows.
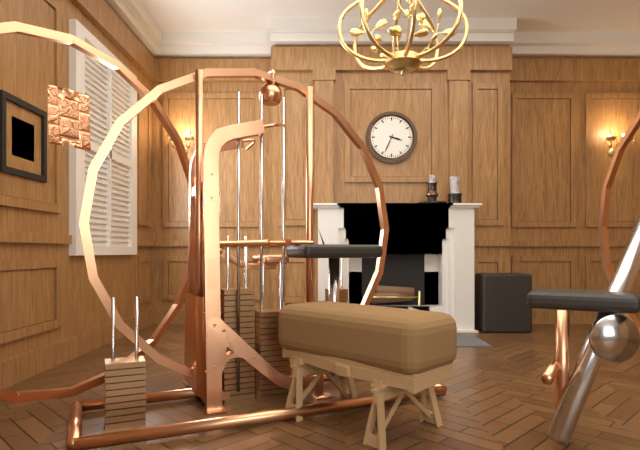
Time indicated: 3:34
